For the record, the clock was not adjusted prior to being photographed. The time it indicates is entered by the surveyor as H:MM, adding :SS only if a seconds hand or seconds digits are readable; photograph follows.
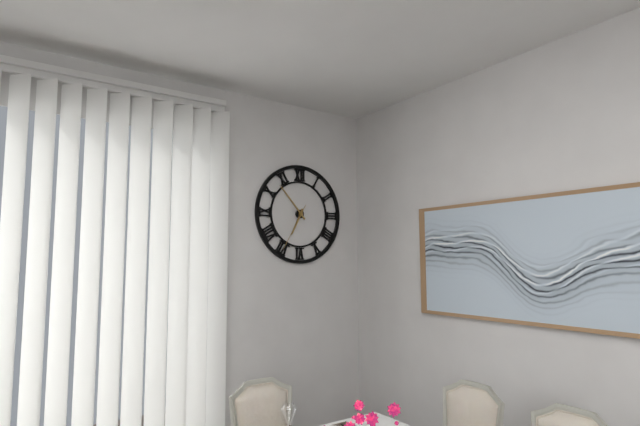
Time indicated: 6:53
